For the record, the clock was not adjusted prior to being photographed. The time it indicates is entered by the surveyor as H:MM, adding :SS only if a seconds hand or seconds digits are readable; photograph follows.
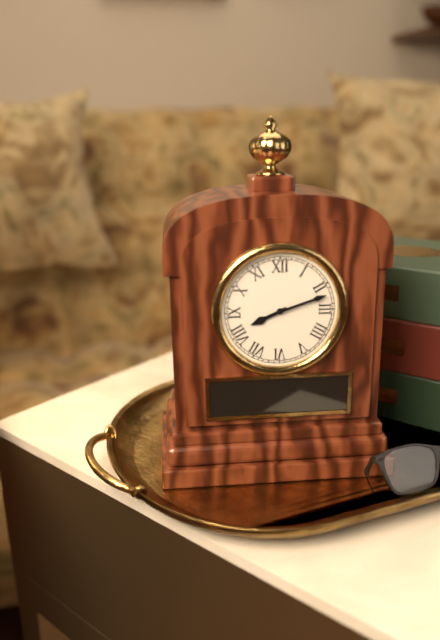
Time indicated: 8:12
